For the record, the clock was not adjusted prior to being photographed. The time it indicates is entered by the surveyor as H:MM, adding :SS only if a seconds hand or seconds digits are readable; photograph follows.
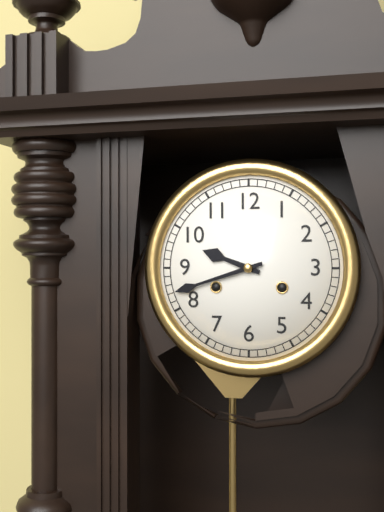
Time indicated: 9:42
